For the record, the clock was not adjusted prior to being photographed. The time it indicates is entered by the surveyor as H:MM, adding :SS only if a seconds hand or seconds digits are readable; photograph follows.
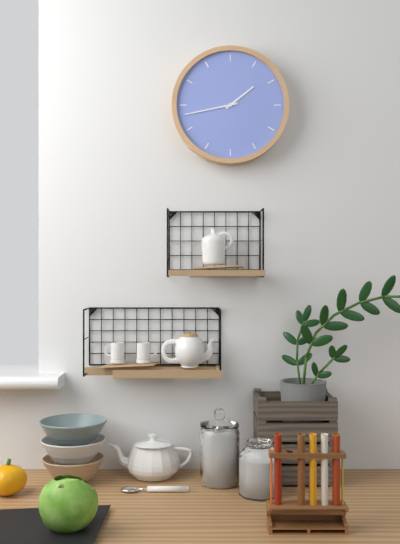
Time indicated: 1:43
